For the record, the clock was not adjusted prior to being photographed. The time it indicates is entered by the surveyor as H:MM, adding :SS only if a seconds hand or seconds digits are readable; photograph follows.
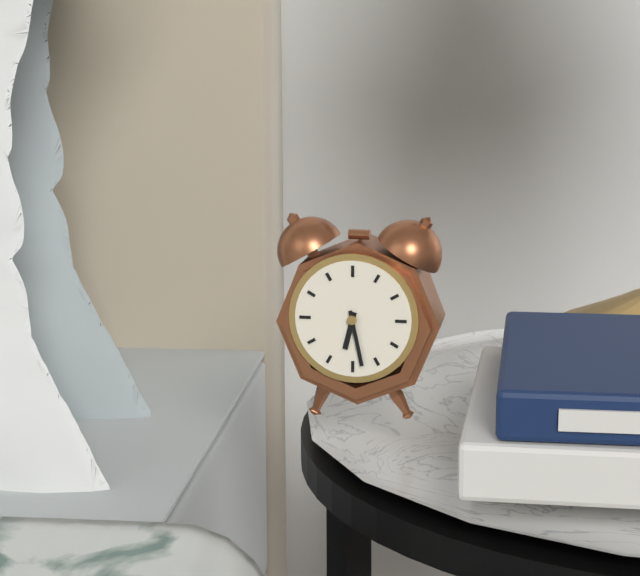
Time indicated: 6:28
